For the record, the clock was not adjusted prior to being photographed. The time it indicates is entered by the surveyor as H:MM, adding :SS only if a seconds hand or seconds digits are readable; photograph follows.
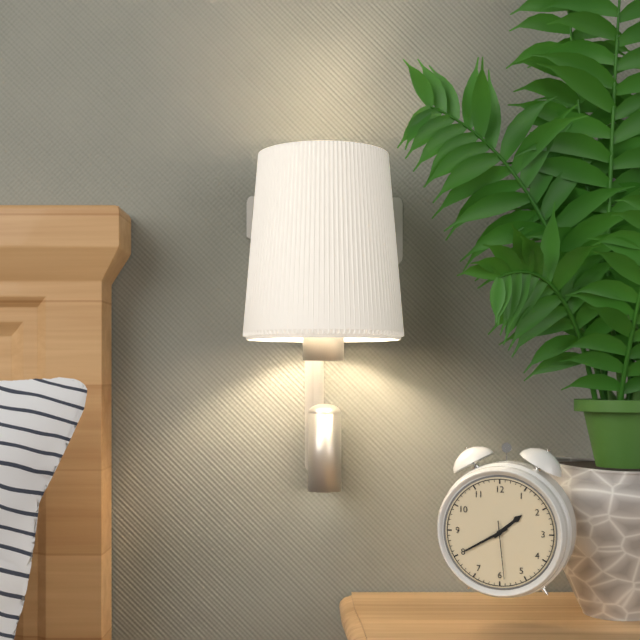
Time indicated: 1:40:29
